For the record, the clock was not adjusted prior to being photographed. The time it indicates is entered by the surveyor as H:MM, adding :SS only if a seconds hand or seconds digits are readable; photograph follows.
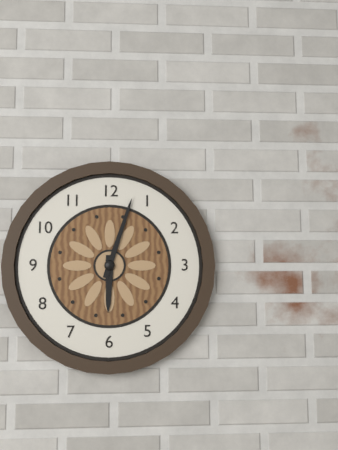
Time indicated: 6:03
